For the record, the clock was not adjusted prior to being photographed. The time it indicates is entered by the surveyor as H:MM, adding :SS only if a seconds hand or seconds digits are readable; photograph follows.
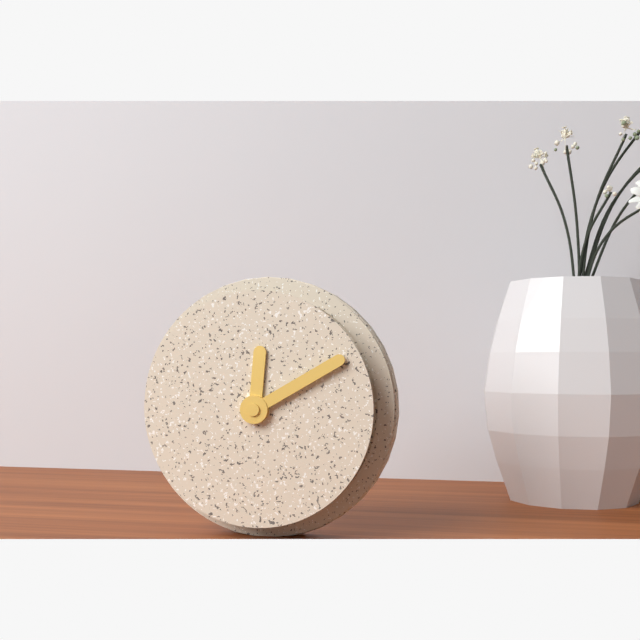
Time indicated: 12:10
